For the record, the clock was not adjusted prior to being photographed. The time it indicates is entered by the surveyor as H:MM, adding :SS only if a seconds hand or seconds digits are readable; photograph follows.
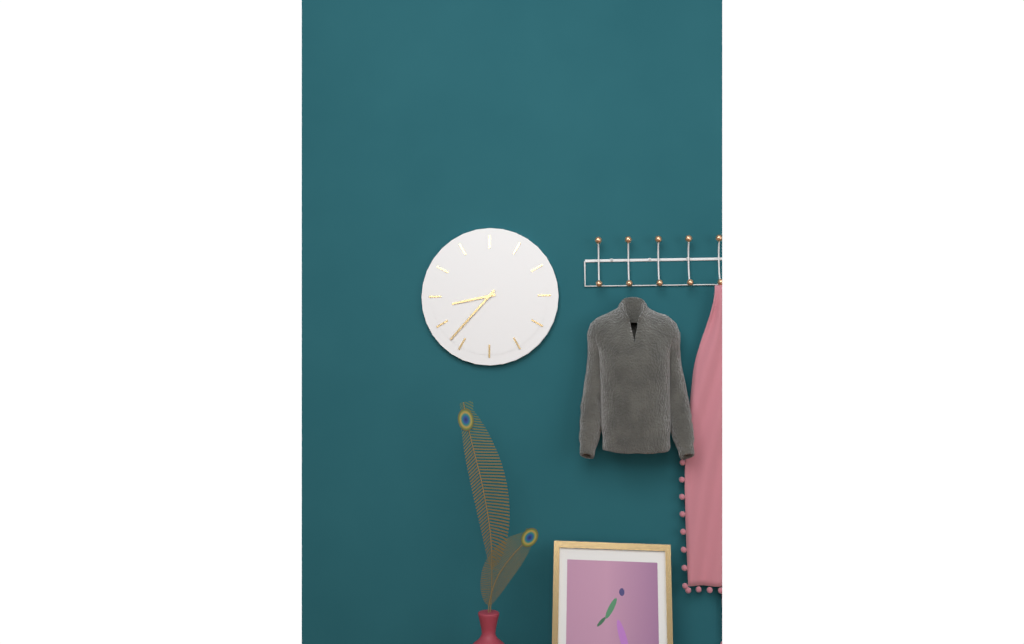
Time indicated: 8:37
